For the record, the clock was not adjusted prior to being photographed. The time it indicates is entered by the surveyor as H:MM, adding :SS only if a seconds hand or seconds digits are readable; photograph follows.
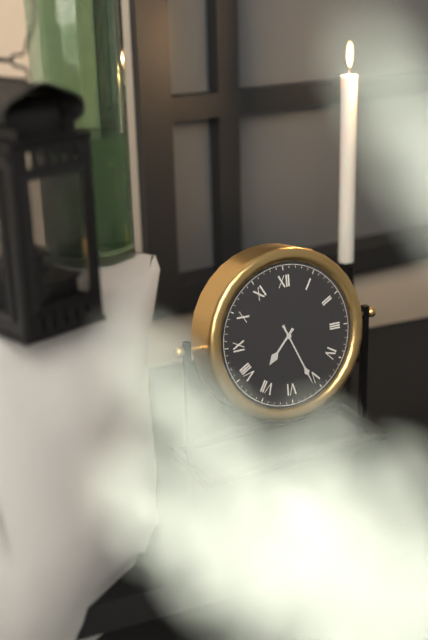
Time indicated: 7:26
